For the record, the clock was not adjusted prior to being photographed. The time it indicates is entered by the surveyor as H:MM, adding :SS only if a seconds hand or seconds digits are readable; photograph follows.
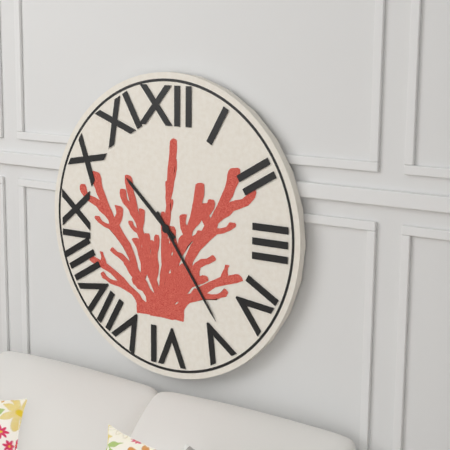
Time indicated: 10:24
